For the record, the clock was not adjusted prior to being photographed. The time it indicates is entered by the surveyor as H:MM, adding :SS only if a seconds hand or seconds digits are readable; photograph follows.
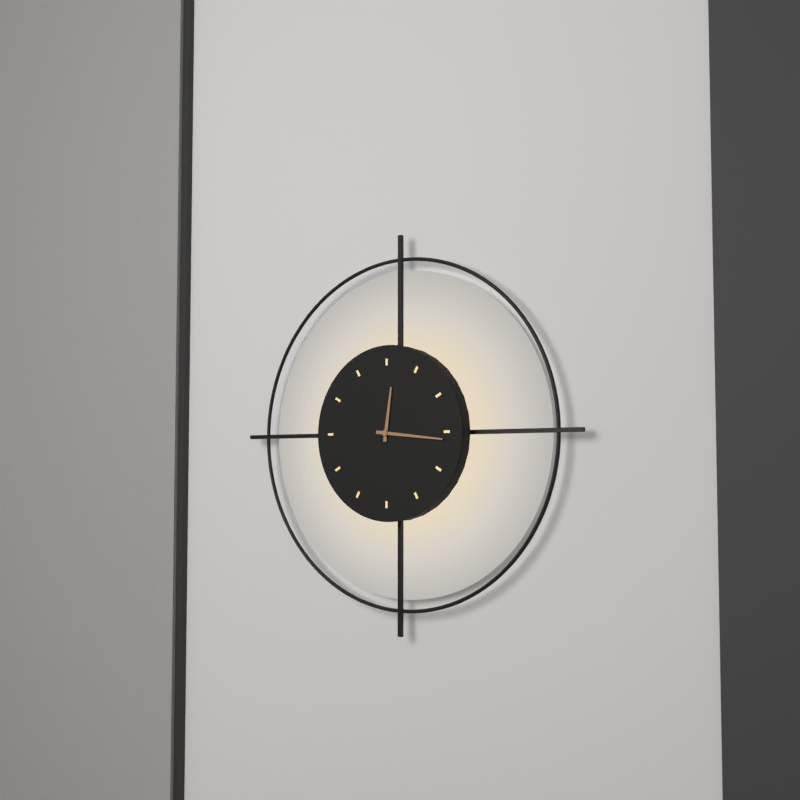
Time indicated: 12:16
